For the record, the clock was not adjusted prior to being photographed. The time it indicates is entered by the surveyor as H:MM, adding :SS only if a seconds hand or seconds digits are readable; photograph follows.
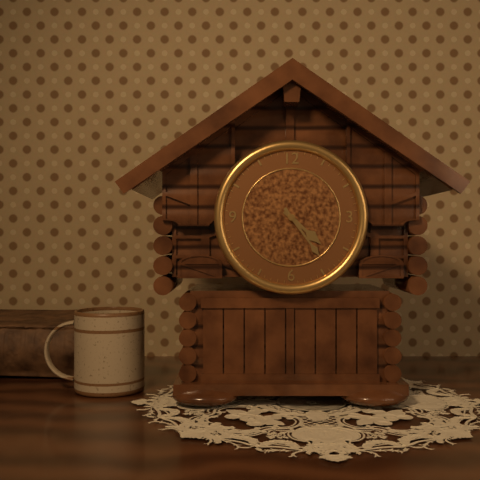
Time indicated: 4:24
